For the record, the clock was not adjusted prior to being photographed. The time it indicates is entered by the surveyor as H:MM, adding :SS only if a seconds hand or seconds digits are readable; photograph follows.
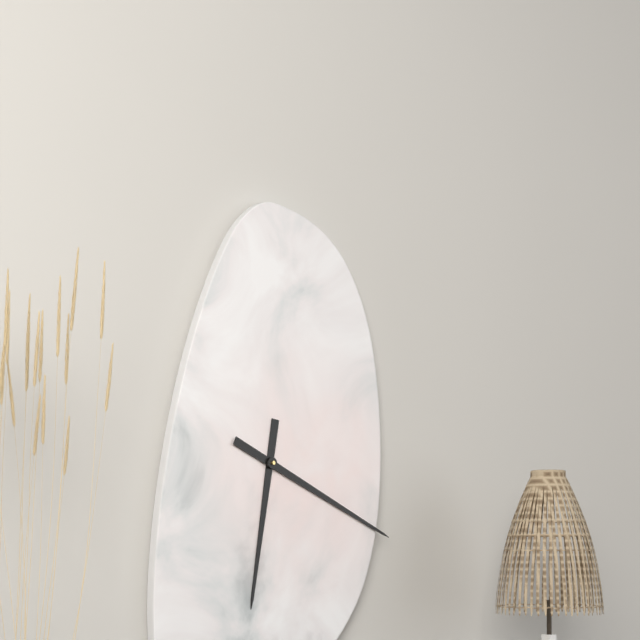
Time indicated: 6:19
